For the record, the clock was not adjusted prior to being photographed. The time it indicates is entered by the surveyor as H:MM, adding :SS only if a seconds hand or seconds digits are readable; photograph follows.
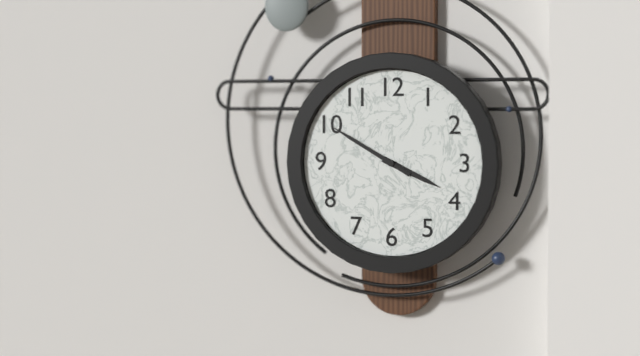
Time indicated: 3:50
